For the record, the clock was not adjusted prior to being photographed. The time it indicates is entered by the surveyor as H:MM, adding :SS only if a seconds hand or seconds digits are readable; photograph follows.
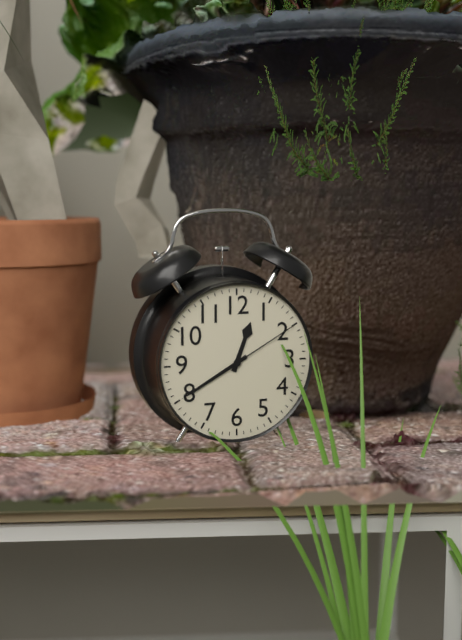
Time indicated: 12:40:10
